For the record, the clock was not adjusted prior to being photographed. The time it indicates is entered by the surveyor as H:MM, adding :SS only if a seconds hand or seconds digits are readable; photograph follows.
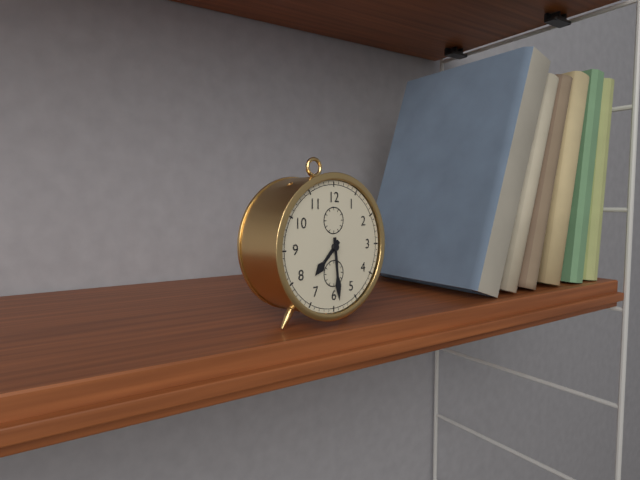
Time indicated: 7:29
